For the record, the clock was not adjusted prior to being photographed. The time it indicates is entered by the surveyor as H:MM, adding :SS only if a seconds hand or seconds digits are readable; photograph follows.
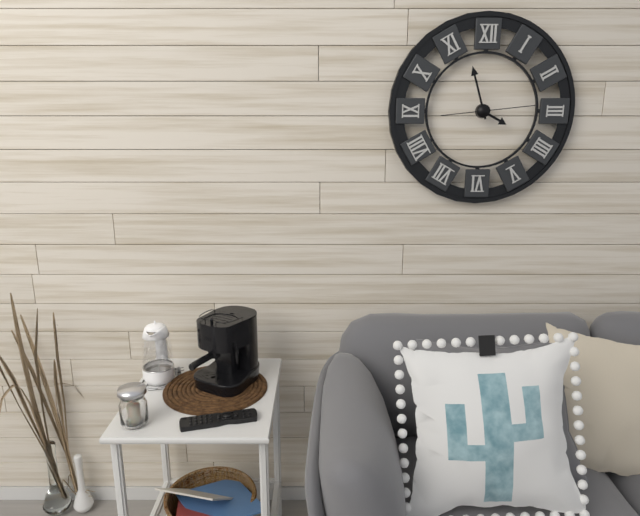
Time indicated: 3:57:14
